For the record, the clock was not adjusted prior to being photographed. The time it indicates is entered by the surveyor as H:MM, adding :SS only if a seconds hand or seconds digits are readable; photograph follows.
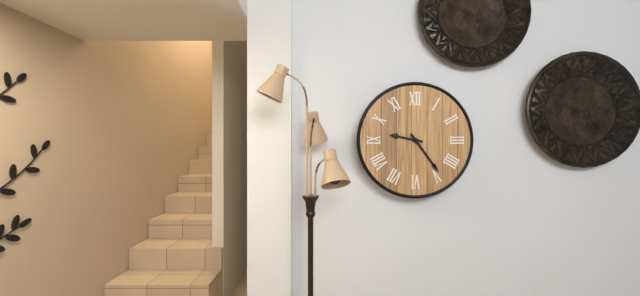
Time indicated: 9:24
